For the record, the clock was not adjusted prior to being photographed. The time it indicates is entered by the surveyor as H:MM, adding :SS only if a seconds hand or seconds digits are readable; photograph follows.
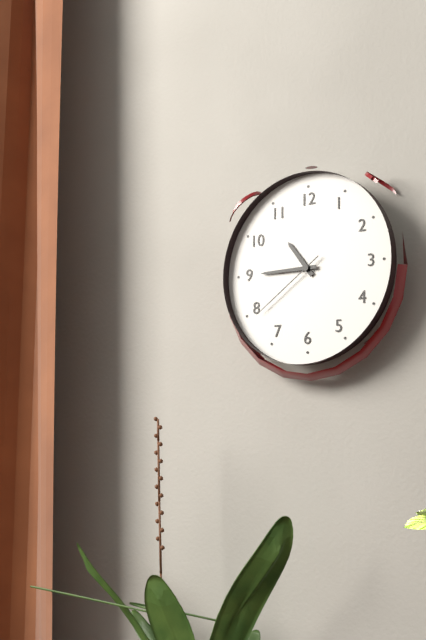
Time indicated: 10:45:39
